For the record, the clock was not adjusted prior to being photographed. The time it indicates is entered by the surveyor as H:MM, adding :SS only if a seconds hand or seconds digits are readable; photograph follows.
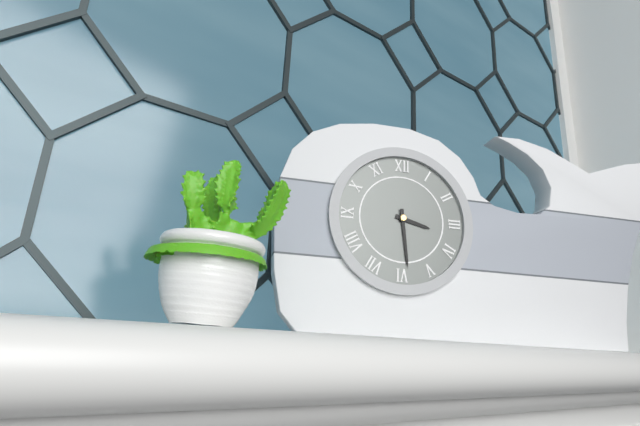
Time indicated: 3:29
